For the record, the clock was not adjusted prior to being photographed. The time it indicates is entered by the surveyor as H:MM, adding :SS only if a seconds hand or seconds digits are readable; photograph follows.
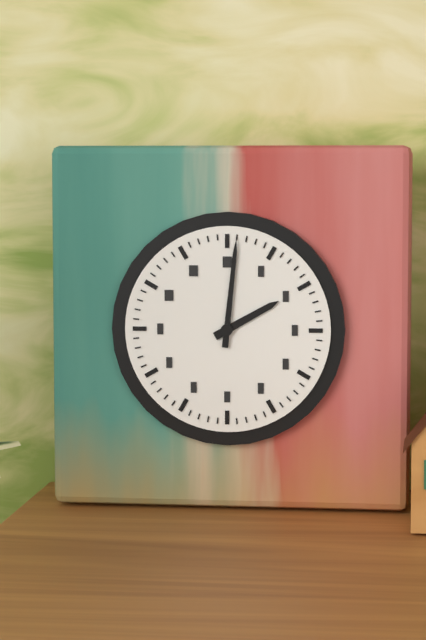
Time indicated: 2:01
